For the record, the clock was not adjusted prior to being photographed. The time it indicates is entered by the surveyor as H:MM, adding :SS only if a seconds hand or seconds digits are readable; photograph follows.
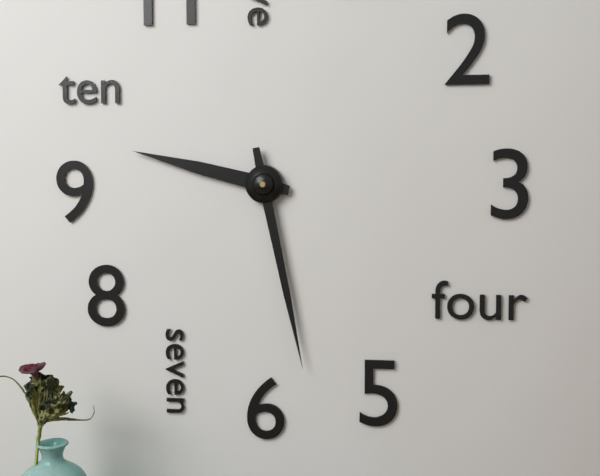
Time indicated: 9:28
